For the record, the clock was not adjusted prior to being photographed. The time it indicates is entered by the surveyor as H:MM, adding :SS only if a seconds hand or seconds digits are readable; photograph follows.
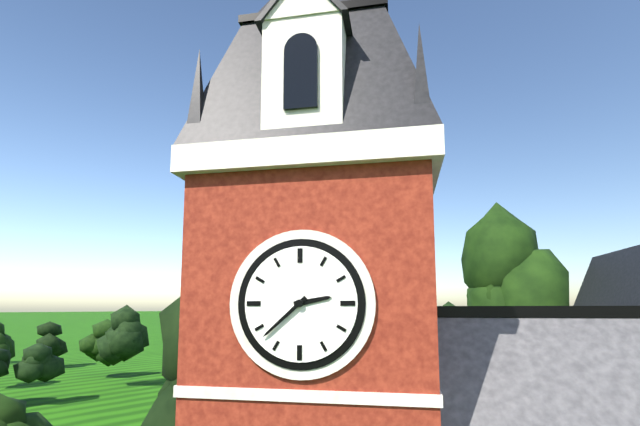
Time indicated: 2:38
